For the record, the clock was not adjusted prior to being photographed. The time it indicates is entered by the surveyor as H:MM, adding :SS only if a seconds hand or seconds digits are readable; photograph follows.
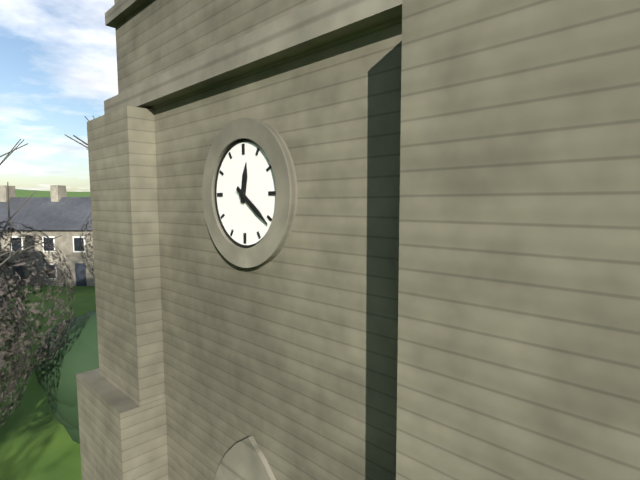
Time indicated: 12:21
